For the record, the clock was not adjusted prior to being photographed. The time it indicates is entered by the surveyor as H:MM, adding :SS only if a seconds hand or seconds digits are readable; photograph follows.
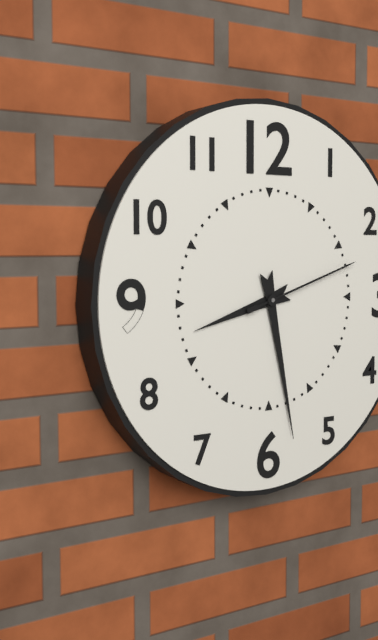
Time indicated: 8:28:12
